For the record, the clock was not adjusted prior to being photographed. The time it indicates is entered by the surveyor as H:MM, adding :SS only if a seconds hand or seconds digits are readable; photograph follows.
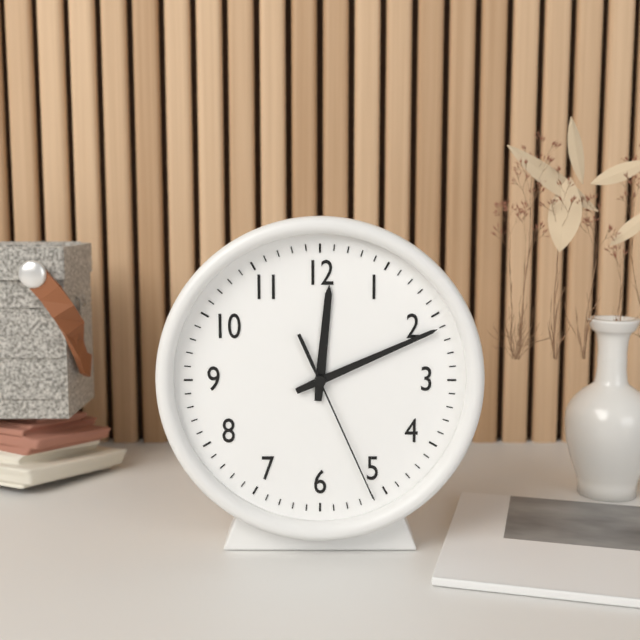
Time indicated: 12:11:26
